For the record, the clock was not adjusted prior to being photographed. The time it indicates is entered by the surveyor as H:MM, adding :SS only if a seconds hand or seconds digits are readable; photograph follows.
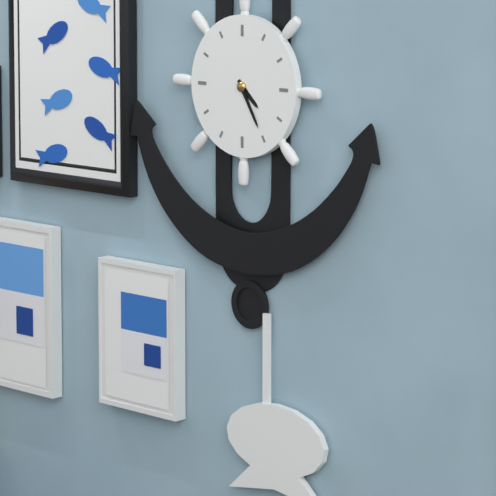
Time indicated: 4:25
